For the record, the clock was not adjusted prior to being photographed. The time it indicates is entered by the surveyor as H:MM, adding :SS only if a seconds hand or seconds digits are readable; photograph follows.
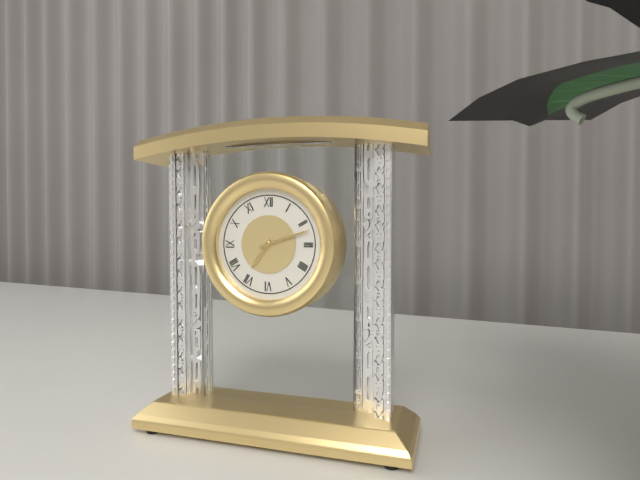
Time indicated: 7:12
